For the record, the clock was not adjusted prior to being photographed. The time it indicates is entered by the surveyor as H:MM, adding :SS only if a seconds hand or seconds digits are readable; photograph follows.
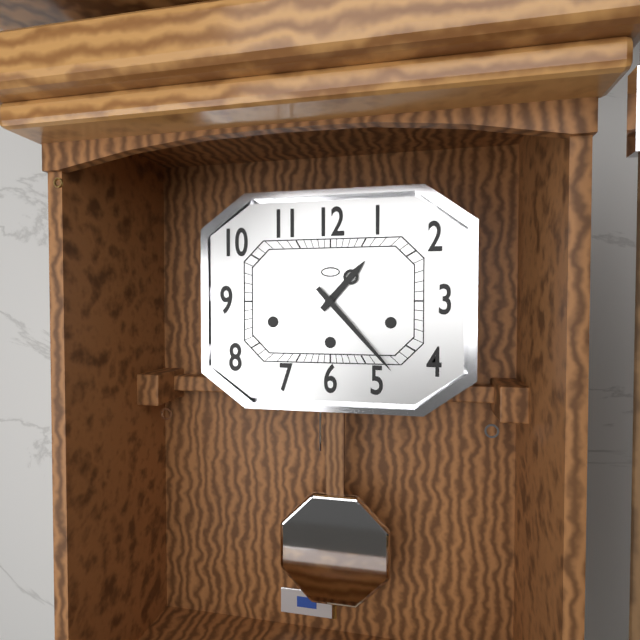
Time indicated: 1:23
